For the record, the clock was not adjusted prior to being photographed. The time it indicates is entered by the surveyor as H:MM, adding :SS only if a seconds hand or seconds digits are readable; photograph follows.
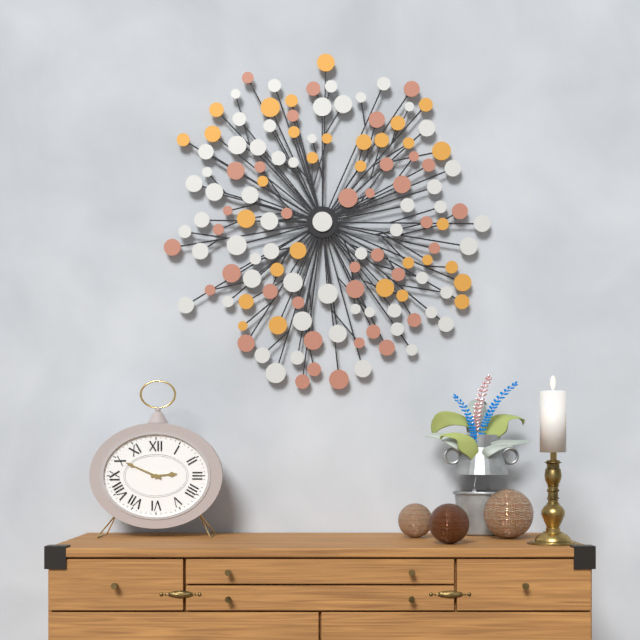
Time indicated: 2:49
